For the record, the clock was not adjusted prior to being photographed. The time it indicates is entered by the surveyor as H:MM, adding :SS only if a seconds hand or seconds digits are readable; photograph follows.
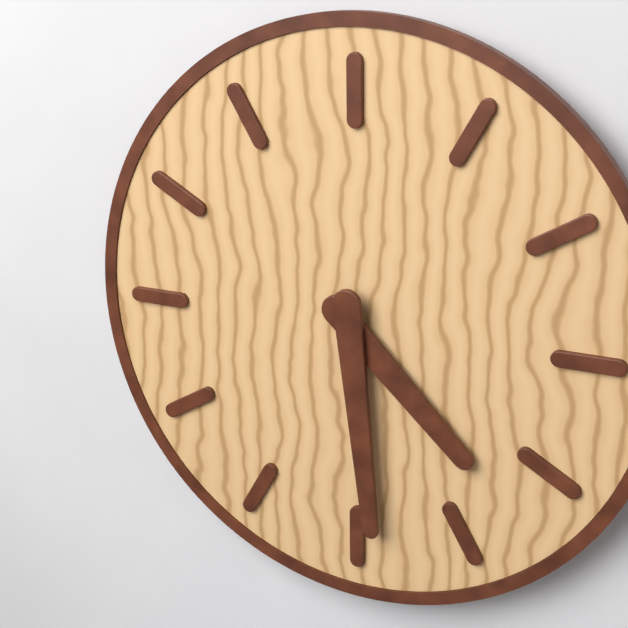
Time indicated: 4:29
